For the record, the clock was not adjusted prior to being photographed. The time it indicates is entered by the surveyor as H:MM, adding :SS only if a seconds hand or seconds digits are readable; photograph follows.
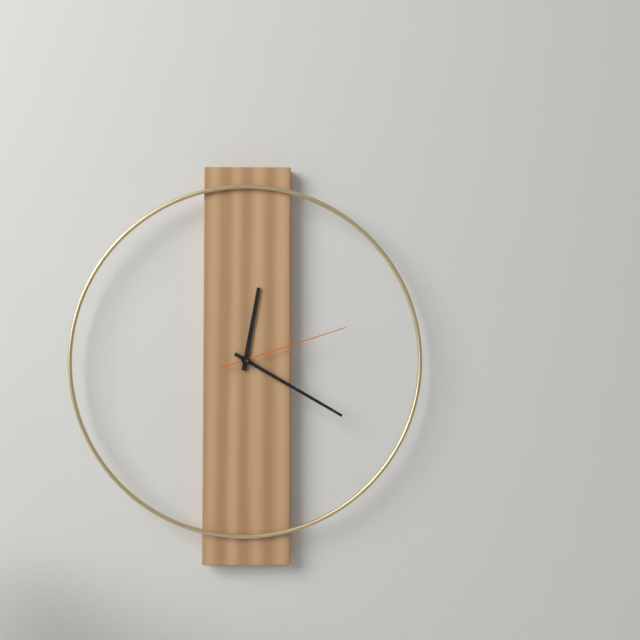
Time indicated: 12:20:12
